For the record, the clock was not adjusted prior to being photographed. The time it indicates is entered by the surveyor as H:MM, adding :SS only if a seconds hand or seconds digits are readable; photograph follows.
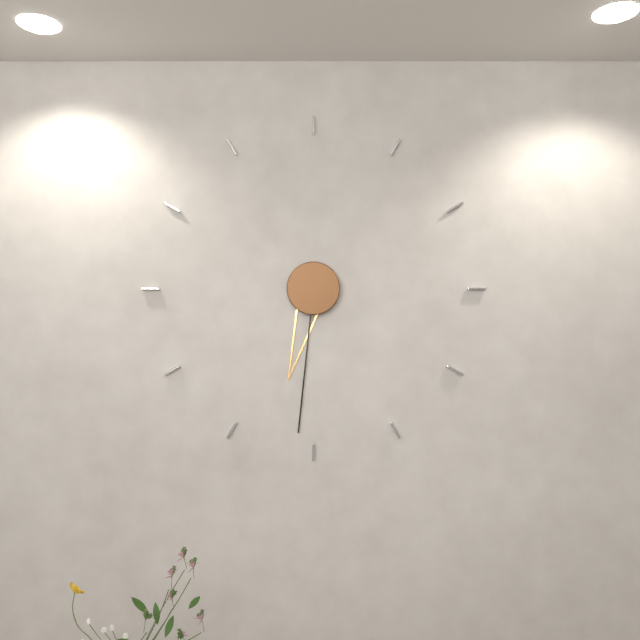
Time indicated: 6:31
